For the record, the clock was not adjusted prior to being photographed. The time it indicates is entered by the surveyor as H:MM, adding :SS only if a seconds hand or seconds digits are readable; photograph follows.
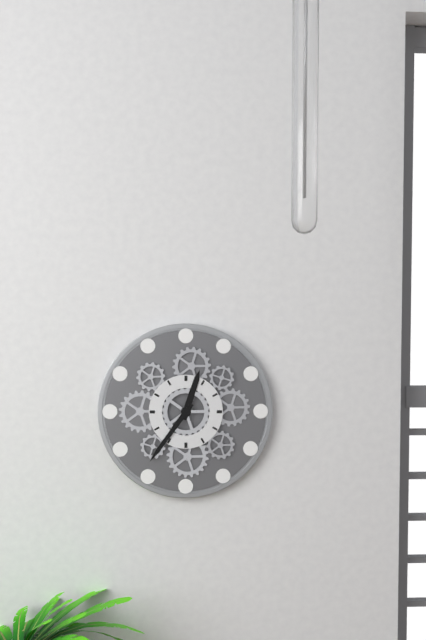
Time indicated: 12:36
